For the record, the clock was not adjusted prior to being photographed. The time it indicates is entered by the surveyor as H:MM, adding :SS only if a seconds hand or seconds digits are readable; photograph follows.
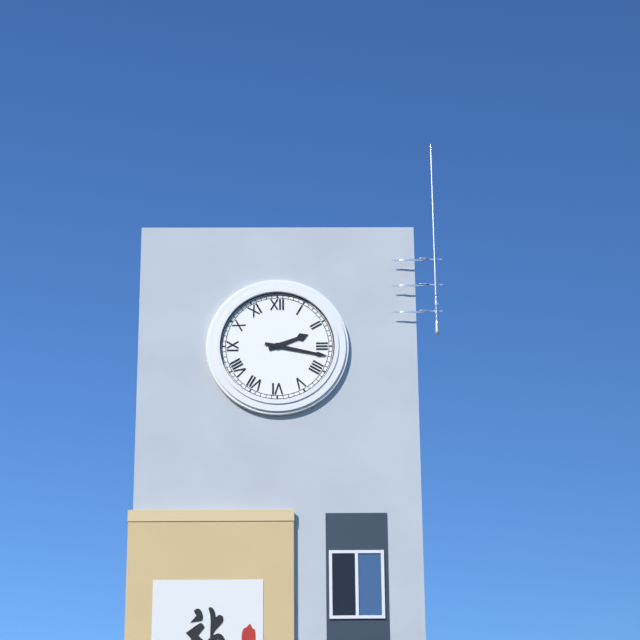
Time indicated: 2:17
